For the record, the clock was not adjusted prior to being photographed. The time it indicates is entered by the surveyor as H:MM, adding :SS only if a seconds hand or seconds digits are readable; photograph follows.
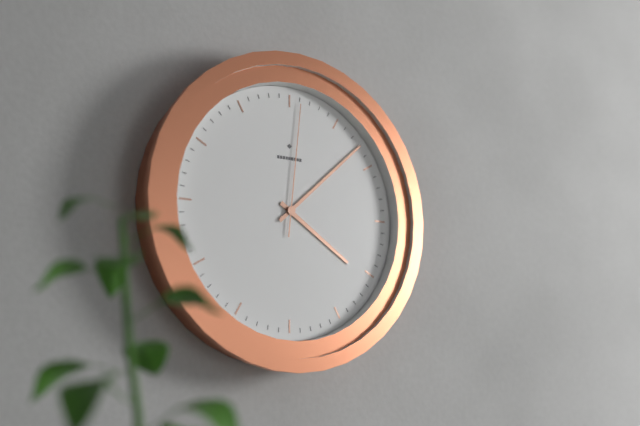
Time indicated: 4:08:01
